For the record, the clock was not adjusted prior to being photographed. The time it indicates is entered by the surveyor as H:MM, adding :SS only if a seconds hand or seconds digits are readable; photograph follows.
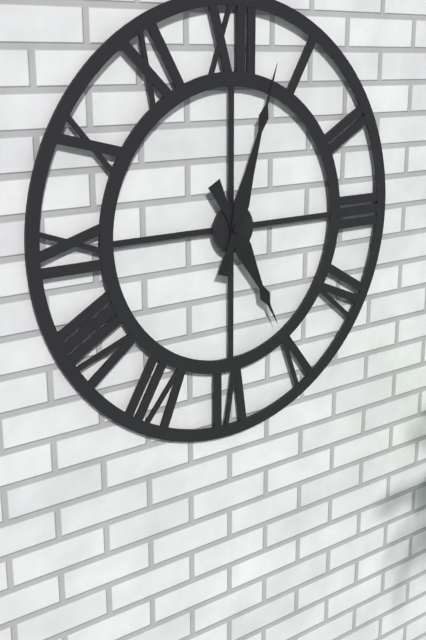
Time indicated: 5:03
